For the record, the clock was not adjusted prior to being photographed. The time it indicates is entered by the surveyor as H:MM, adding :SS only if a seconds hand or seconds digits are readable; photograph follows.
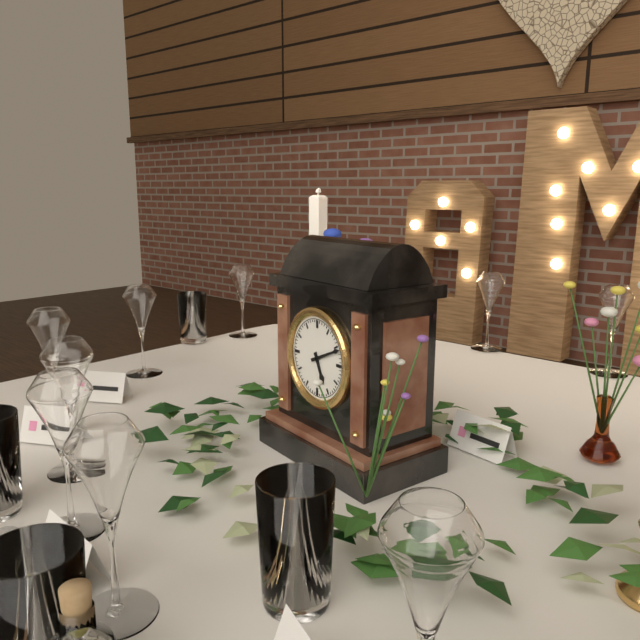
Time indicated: 5:11
